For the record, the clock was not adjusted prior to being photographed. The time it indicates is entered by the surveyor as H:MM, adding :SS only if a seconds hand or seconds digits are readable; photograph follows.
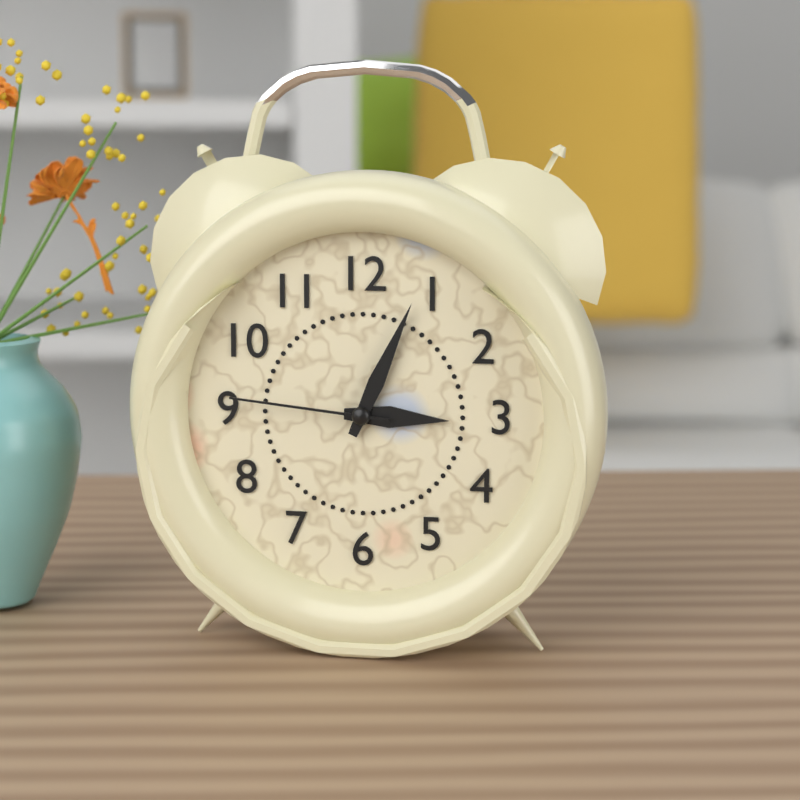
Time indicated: 3:04:46
